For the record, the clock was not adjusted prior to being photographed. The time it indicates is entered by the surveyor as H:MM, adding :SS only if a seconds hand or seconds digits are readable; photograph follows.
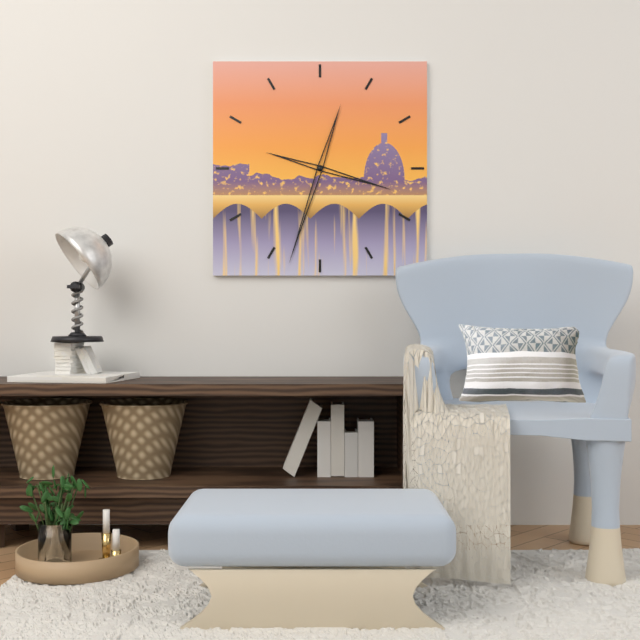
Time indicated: 3:33
